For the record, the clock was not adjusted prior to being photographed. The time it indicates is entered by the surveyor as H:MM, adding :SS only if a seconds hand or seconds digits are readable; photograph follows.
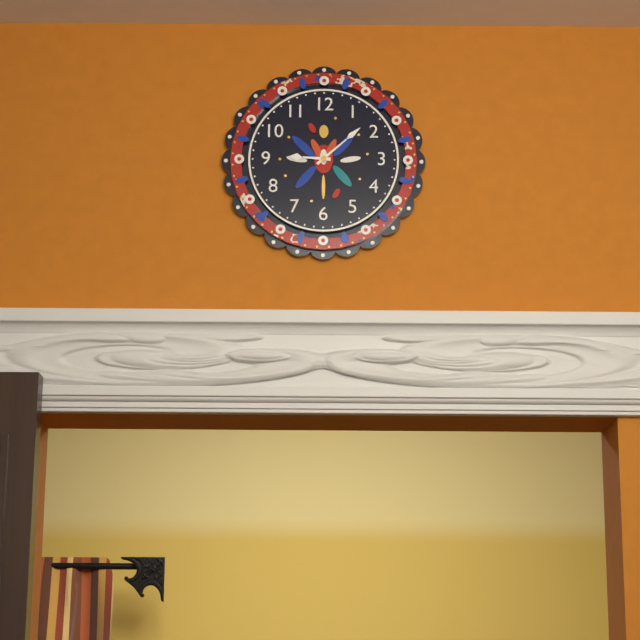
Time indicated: 9:08
